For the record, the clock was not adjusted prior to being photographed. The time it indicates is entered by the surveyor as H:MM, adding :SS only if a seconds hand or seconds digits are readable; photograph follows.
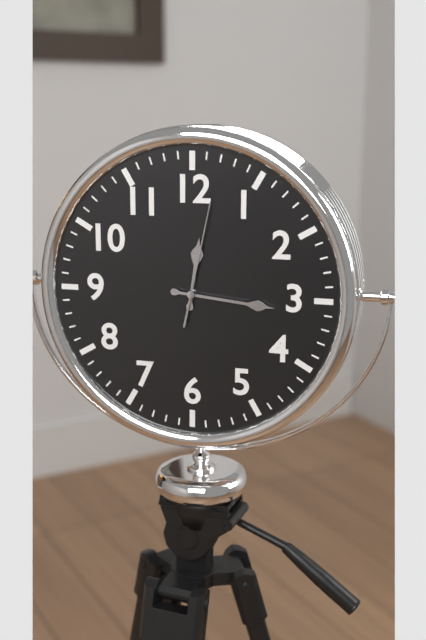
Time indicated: 12:16:02
